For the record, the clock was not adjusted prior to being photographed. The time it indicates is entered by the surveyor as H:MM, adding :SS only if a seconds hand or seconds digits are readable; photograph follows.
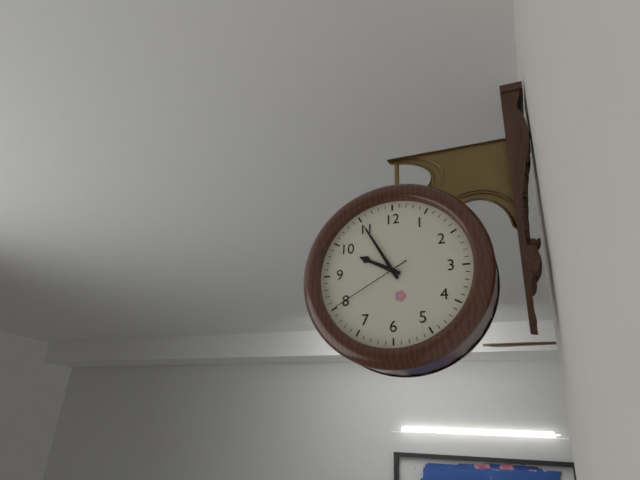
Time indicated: 9:55:40
